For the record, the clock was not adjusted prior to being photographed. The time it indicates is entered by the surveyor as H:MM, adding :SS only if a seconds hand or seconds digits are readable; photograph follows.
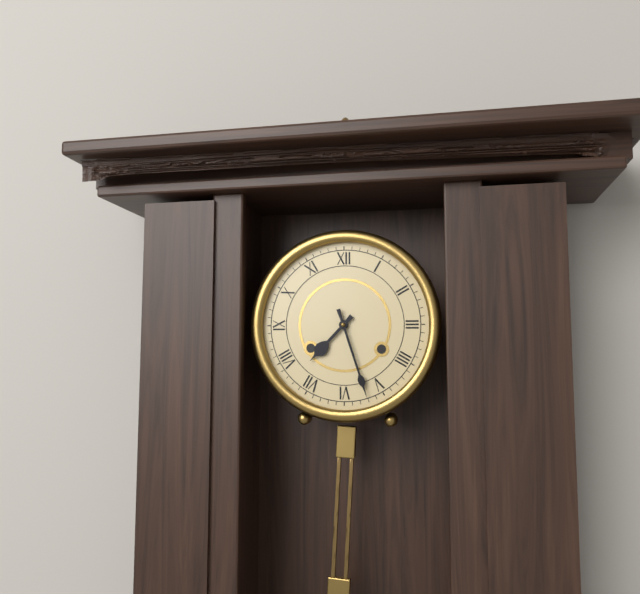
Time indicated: 7:27
